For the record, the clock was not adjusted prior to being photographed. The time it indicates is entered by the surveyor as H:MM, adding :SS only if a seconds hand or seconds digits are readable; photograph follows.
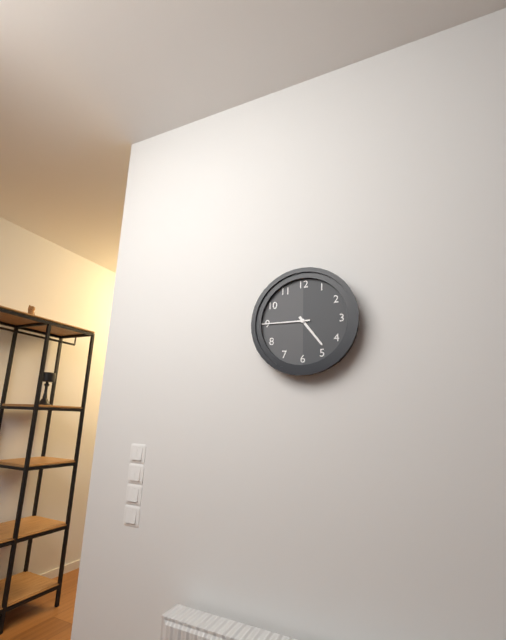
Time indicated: 4:45
